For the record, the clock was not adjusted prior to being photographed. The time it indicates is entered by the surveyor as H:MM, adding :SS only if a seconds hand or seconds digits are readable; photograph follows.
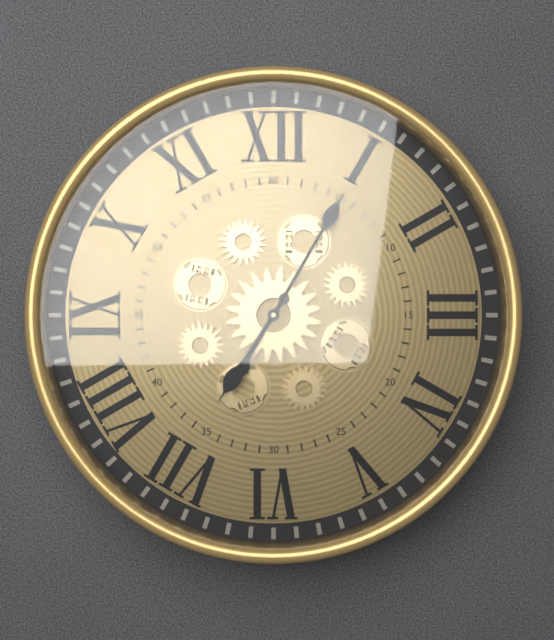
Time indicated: 7:05
